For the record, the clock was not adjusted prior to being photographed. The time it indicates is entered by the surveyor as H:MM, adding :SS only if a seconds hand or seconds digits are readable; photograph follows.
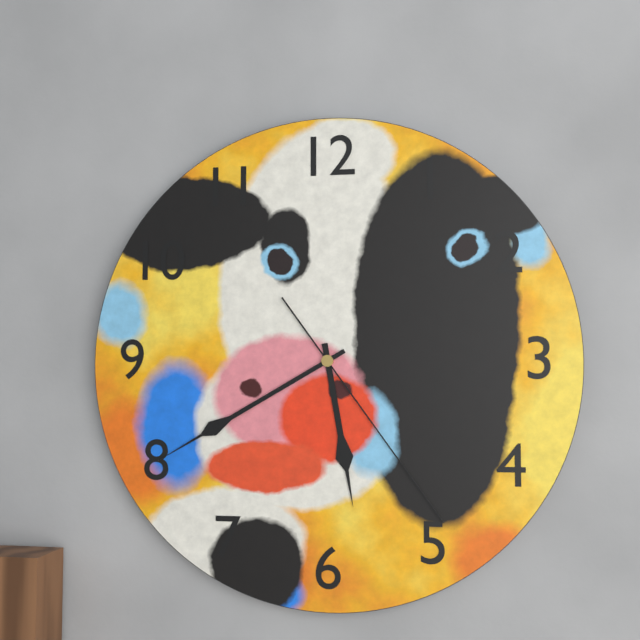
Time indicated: 5:40:24
